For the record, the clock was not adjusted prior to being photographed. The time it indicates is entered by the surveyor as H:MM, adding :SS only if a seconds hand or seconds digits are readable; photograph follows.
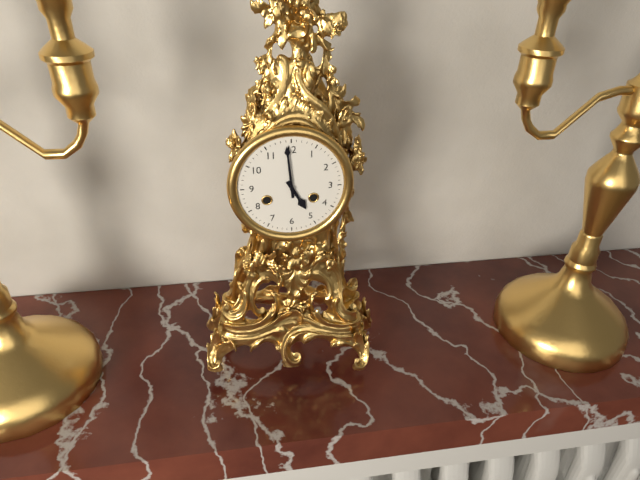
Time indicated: 4:59
